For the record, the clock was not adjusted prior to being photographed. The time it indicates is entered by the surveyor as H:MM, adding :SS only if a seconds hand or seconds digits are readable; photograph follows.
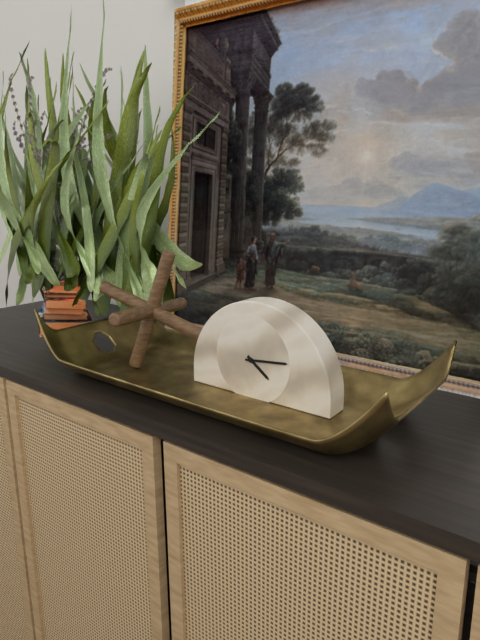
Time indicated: 4:14
